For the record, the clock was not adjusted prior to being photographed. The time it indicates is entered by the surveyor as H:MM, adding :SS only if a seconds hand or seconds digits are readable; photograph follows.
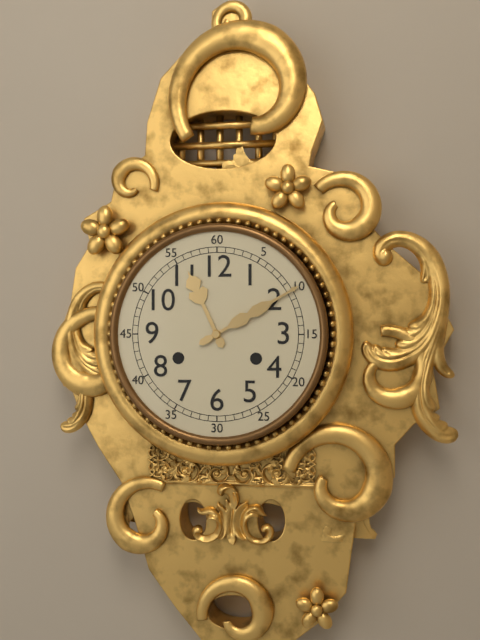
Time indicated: 11:10
